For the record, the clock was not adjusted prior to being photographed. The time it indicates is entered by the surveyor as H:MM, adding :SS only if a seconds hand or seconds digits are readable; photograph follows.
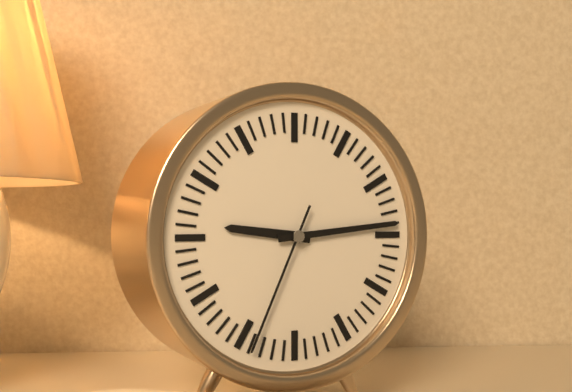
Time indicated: 9:14:34
